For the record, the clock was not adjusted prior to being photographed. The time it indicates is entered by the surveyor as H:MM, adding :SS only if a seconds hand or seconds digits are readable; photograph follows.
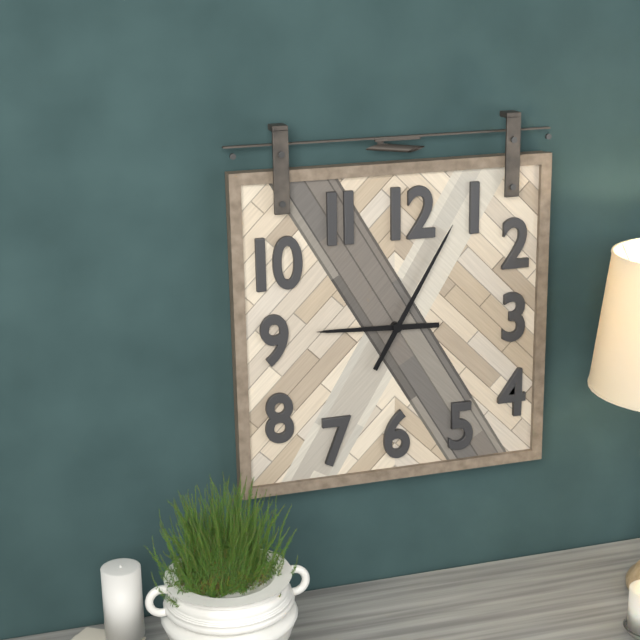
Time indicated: 9:05
